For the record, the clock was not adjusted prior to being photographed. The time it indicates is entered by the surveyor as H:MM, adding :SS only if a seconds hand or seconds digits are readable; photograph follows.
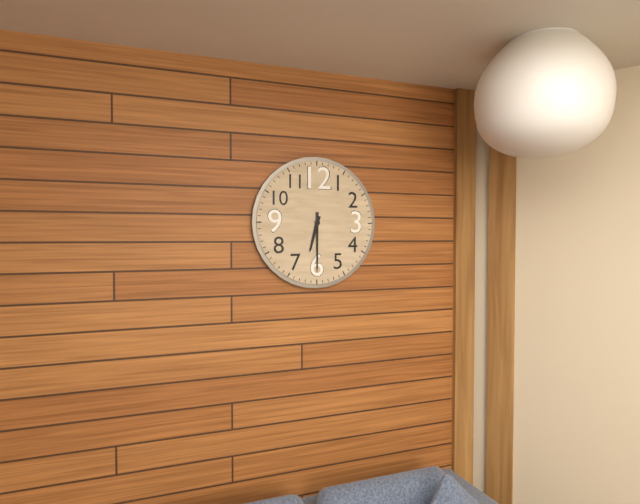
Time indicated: 6:30
